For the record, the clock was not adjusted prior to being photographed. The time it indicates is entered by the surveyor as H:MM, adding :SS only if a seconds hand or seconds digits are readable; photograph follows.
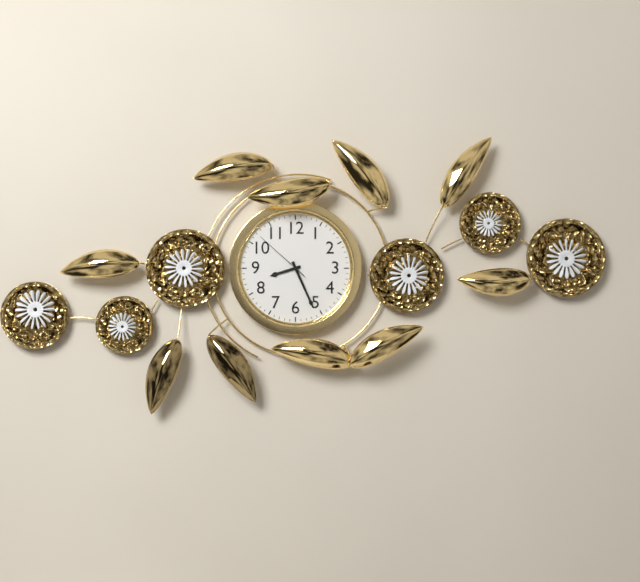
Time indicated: 8:26:52
